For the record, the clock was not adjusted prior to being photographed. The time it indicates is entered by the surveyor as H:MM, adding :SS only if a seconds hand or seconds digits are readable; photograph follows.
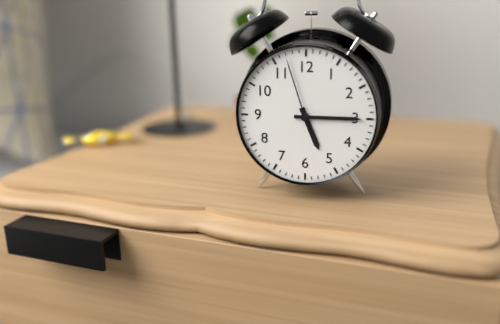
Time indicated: 5:15:57
